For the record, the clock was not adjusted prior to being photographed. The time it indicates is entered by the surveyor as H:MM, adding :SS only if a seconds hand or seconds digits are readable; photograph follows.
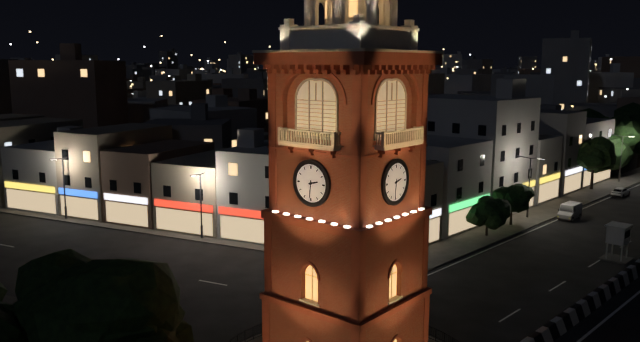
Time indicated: 2:31
